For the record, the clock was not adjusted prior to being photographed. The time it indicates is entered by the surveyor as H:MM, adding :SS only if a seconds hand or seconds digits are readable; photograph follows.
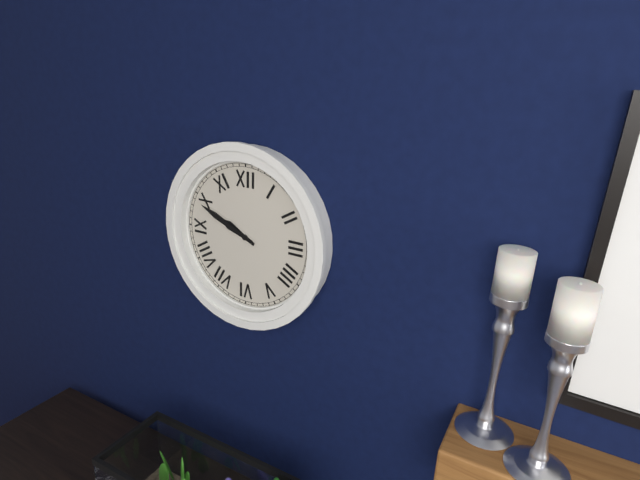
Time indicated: 9:49
